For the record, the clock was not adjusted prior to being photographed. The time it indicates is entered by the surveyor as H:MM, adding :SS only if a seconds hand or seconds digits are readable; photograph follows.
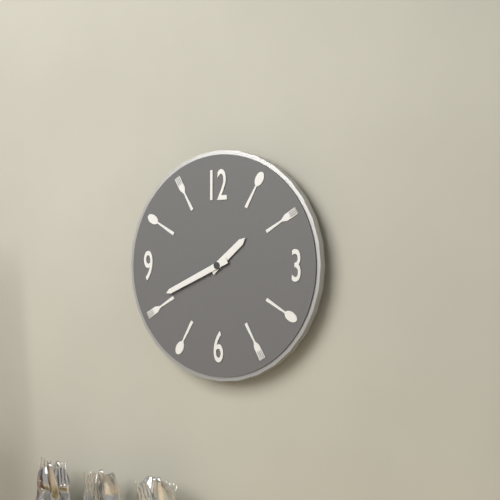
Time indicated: 1:41
